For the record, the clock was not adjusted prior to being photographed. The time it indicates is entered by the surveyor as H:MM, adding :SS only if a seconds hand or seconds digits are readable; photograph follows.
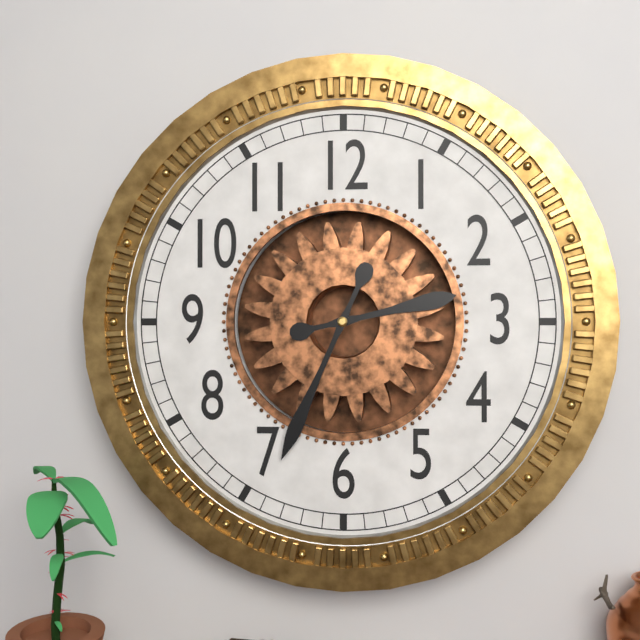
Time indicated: 2:34
